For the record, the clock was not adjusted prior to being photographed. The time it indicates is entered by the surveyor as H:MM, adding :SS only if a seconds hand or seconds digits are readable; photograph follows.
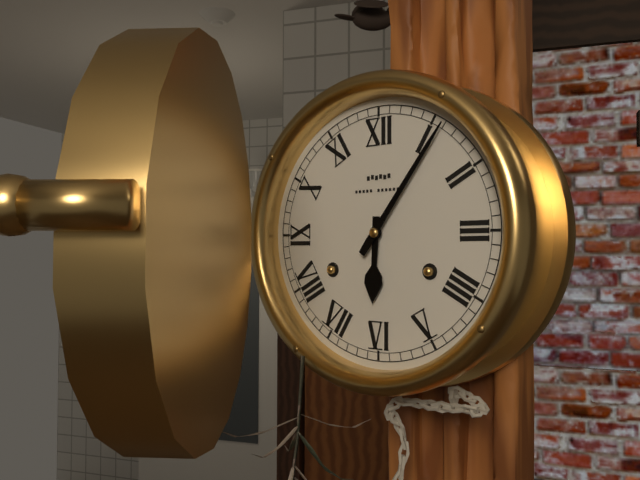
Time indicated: 6:06
